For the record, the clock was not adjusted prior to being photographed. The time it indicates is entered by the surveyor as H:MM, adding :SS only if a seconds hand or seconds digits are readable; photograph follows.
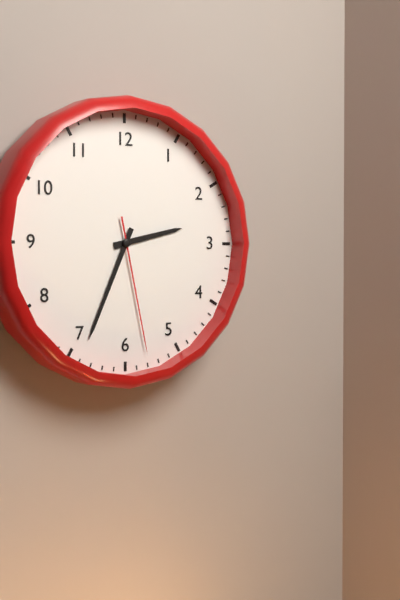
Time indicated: 2:34:28
